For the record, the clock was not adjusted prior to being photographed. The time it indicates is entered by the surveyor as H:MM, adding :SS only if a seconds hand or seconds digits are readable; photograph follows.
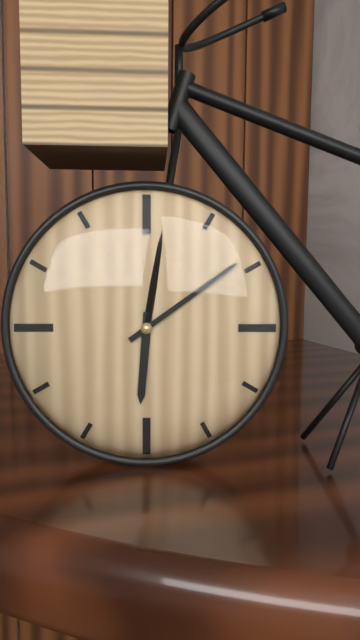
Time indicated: 6:09
